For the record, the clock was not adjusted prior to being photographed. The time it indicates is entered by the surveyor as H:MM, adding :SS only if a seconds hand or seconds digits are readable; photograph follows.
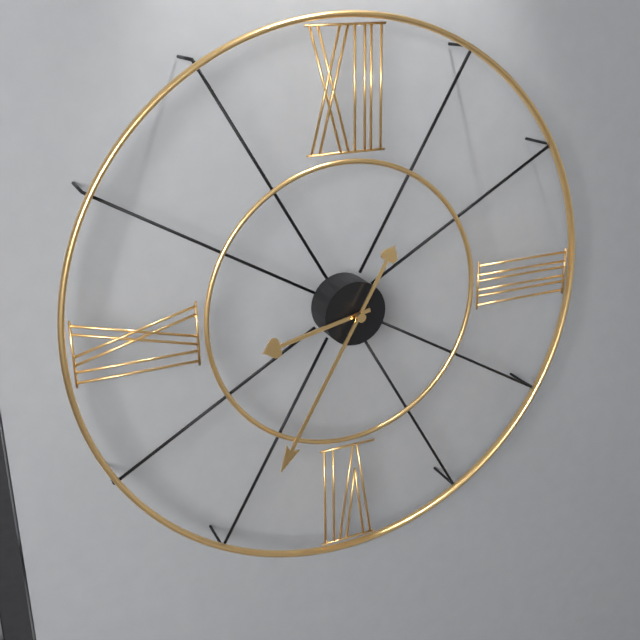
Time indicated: 8:35
